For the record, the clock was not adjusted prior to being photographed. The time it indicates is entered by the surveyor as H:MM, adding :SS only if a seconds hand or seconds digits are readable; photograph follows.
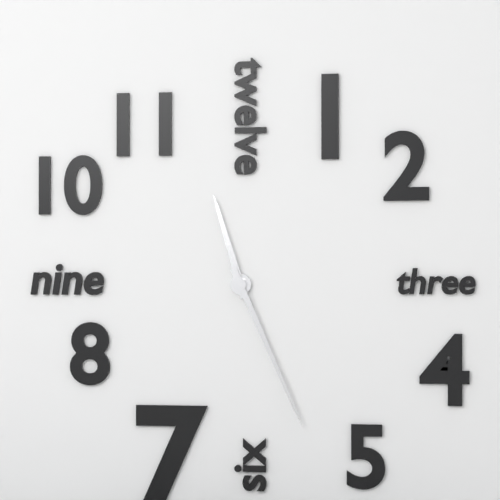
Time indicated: 11:26
